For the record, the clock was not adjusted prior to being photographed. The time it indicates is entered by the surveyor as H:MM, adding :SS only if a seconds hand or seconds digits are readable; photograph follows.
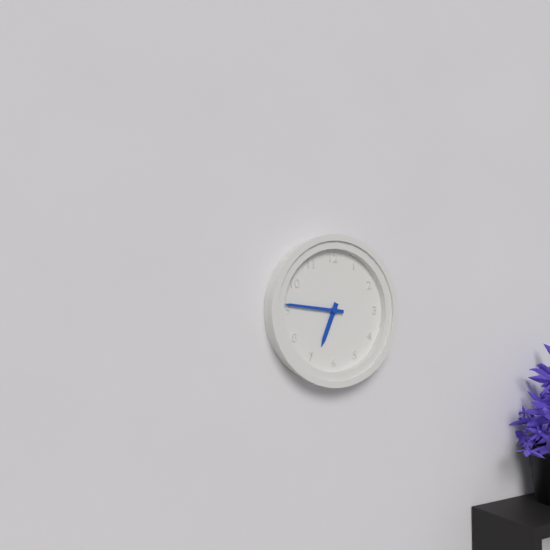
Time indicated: 6:46
